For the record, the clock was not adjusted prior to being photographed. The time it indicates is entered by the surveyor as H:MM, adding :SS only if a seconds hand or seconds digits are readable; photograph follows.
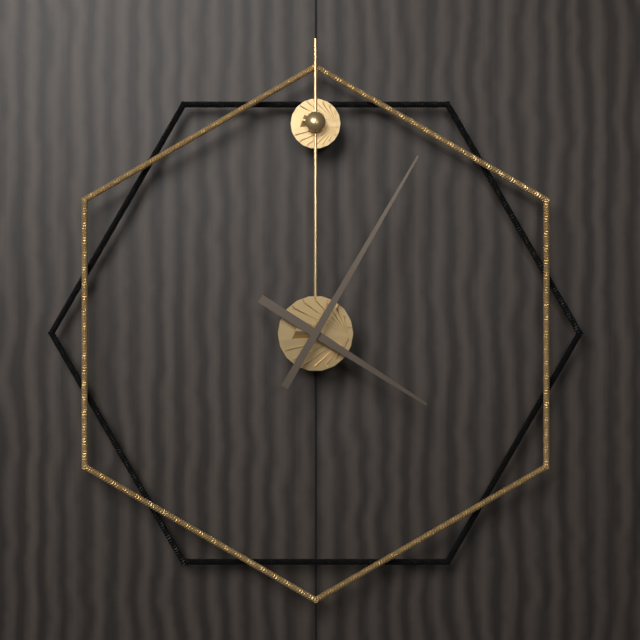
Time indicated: 4:05
